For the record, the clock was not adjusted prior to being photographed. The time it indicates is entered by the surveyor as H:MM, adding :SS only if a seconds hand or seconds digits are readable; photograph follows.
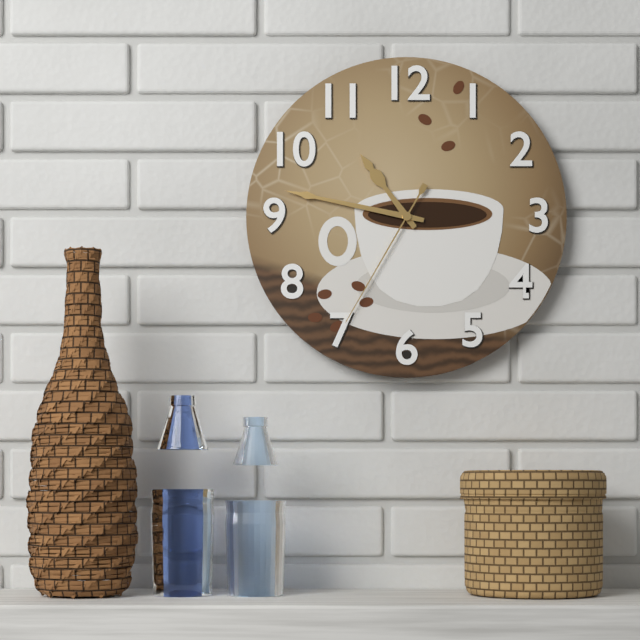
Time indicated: 10:47:35
